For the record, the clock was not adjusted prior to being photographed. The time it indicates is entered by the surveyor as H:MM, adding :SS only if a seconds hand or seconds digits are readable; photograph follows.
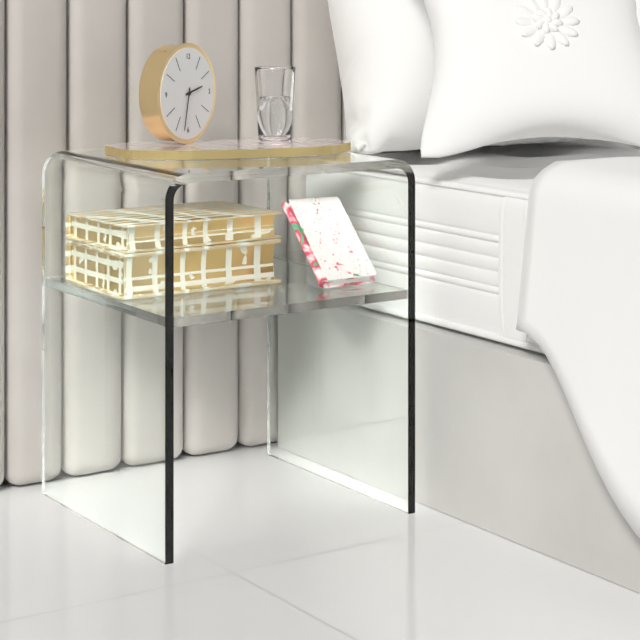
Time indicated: 2:32
